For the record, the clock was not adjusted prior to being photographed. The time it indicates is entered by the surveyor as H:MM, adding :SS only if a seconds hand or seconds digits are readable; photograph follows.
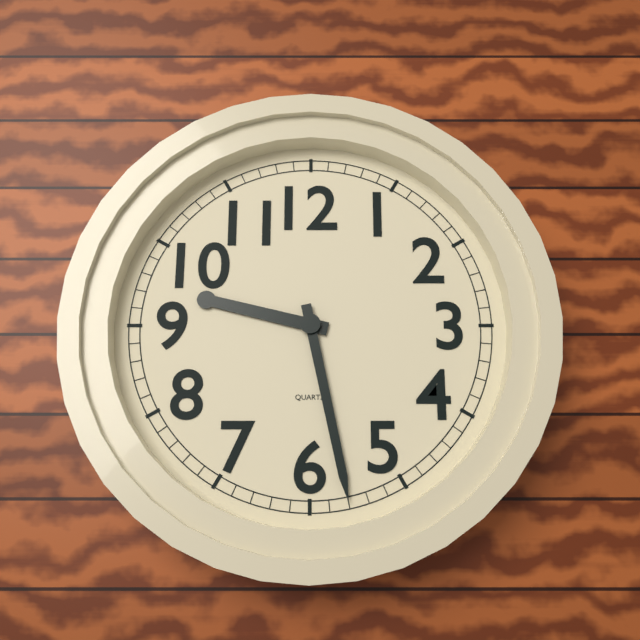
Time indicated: 9:28
